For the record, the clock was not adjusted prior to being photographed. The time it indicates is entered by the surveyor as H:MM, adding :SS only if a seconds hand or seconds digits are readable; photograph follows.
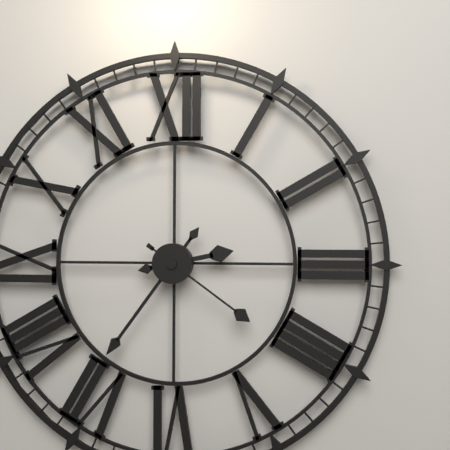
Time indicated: 2:36:21
